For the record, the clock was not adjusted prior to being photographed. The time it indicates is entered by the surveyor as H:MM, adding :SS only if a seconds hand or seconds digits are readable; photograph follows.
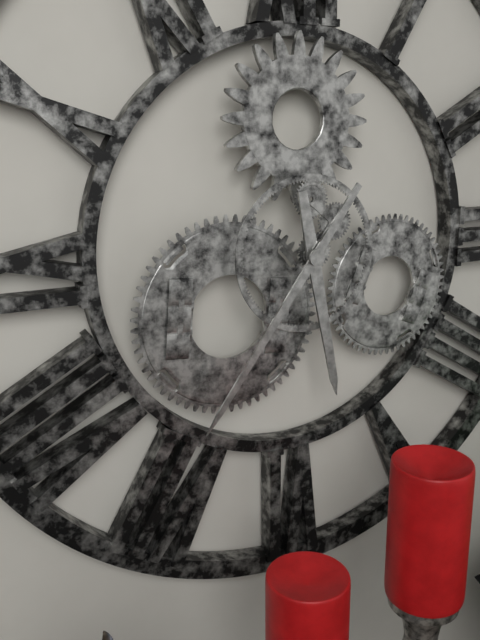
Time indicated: 5:36
